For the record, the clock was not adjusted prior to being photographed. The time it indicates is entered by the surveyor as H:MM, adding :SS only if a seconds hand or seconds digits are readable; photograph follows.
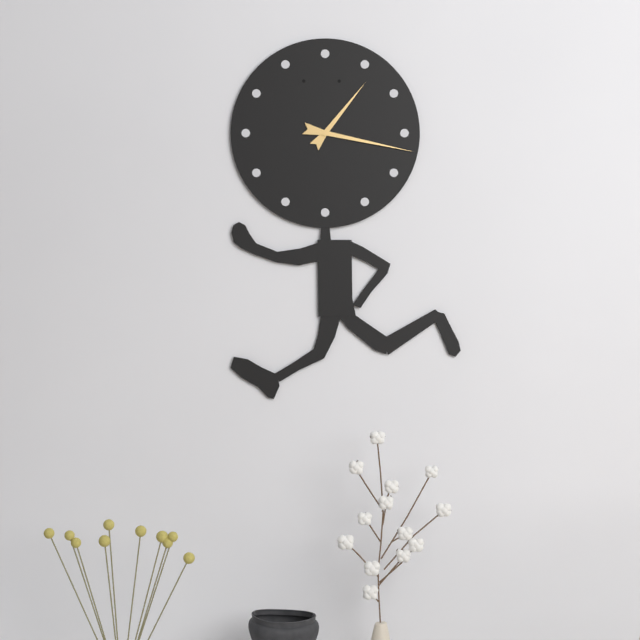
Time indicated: 1:17
